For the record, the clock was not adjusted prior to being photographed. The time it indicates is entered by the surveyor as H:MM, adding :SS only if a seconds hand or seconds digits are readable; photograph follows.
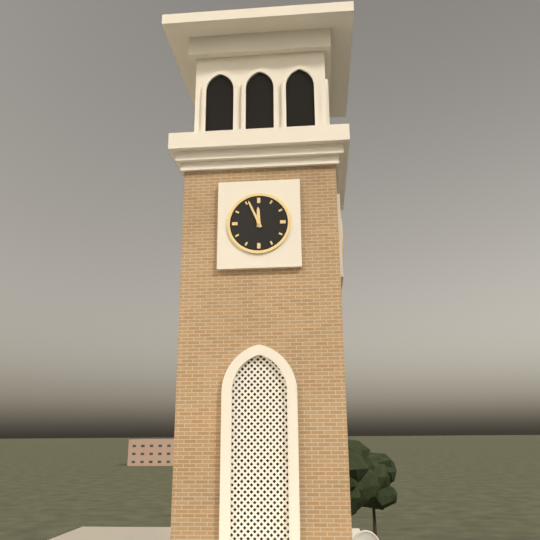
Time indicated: 11:56
